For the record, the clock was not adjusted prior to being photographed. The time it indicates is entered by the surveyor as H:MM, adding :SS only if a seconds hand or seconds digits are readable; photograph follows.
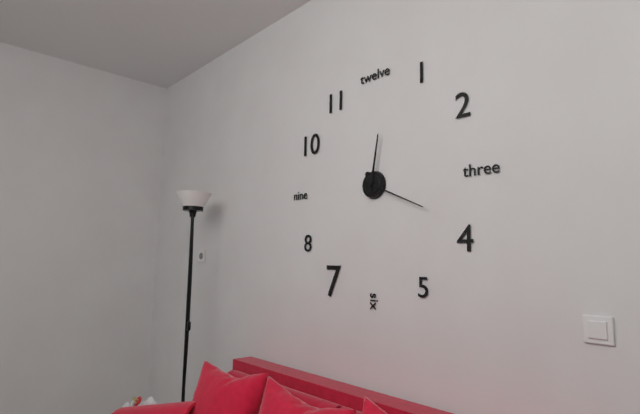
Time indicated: 12:19
